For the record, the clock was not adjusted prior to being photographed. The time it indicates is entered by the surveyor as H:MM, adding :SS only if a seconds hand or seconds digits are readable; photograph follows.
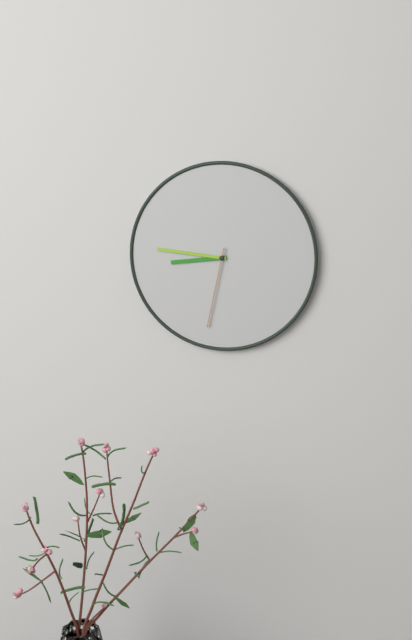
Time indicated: 8:46:32
